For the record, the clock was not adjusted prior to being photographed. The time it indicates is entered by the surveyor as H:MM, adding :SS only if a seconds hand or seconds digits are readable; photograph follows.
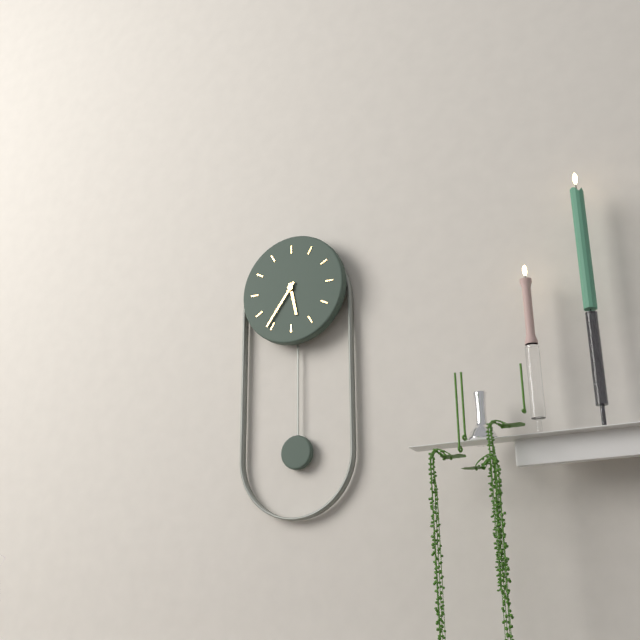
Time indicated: 5:36
